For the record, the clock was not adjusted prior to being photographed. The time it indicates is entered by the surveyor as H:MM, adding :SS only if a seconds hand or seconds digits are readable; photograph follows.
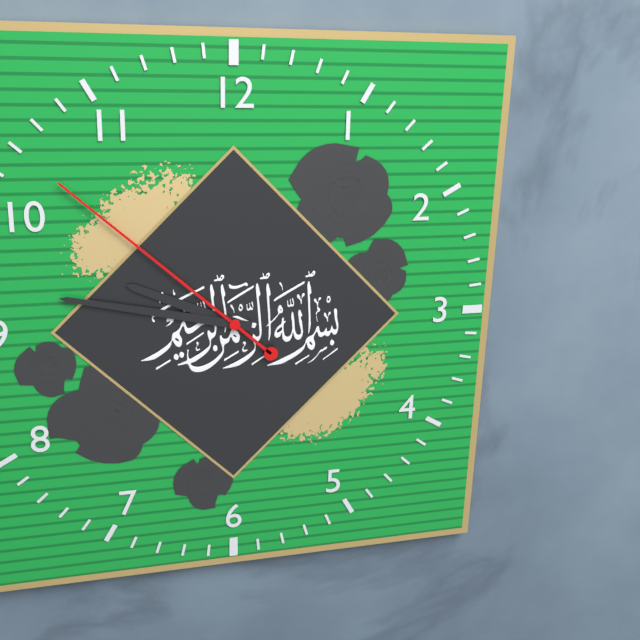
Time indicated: 9:47:52
